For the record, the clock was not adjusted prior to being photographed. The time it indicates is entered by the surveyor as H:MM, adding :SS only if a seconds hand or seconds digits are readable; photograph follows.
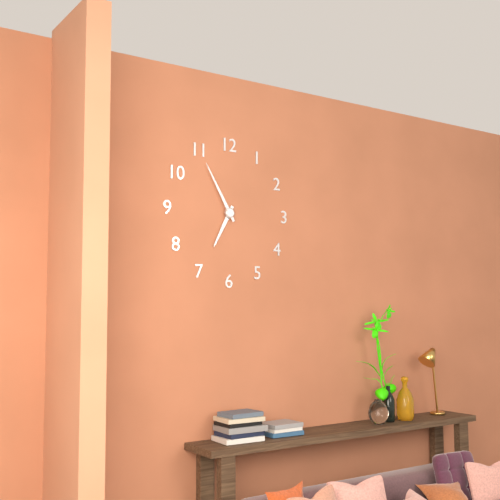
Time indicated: 6:55
